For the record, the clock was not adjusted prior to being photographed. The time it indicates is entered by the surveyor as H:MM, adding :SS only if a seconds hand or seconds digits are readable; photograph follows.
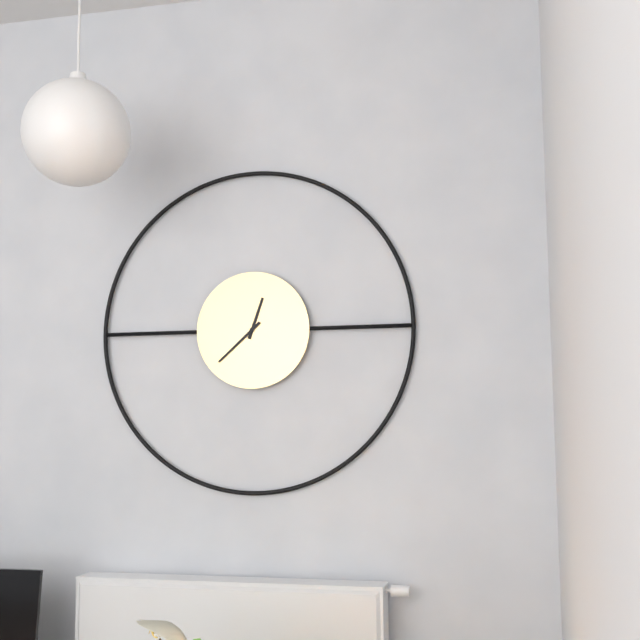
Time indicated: 12:38
